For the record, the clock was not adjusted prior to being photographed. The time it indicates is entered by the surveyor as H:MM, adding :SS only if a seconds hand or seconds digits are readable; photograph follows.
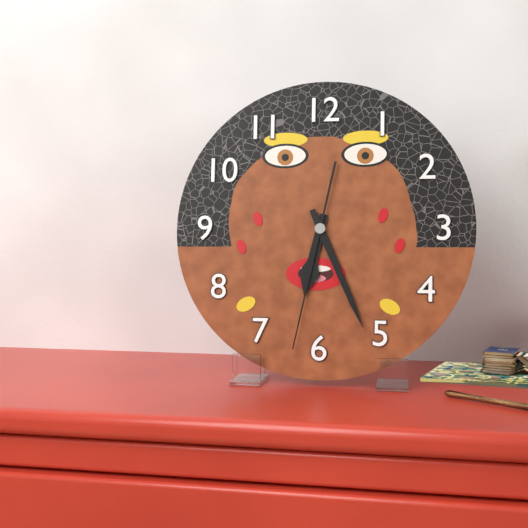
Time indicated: 6:26:32
